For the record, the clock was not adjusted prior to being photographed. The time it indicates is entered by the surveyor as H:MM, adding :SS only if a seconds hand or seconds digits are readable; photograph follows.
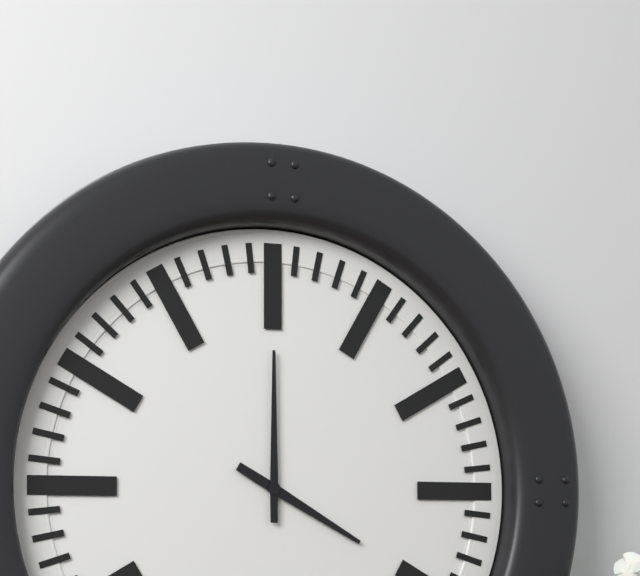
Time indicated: 4:00
